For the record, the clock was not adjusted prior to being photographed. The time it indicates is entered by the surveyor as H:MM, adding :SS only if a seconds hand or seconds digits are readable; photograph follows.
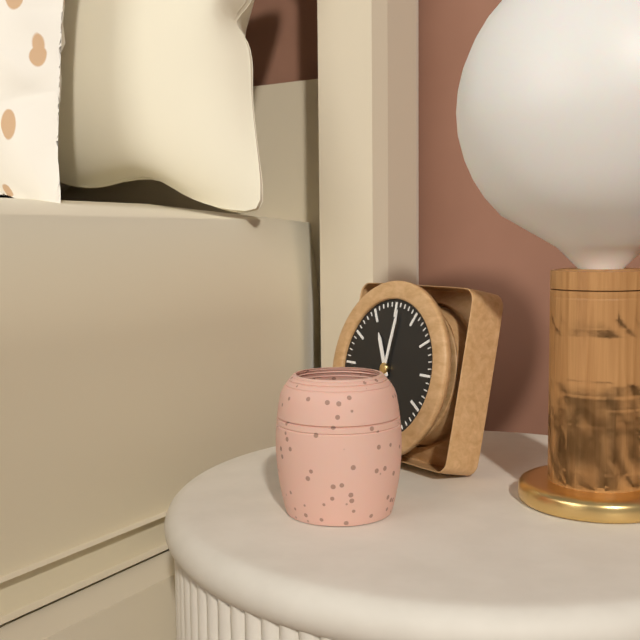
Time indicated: 11:01
